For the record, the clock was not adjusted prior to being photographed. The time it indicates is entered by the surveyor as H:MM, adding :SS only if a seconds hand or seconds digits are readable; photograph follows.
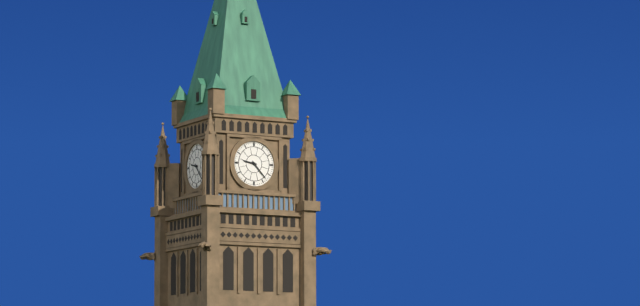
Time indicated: 9:23
